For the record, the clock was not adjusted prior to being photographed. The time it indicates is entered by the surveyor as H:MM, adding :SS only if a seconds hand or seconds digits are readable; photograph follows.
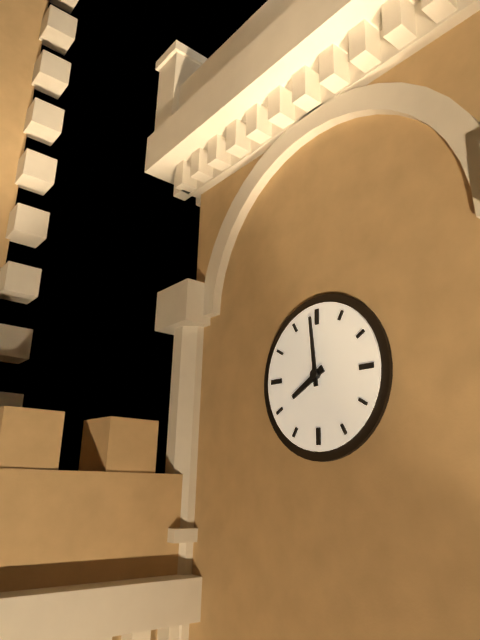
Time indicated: 7:59
